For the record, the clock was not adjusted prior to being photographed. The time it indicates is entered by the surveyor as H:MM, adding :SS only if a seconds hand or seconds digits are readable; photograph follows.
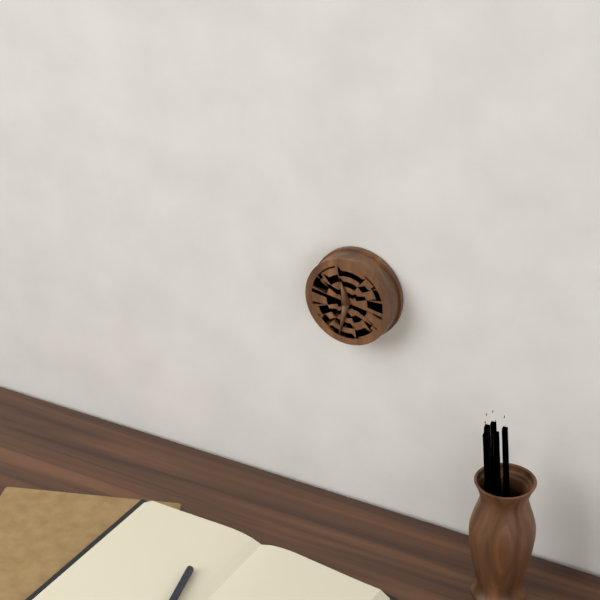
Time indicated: 11:32
